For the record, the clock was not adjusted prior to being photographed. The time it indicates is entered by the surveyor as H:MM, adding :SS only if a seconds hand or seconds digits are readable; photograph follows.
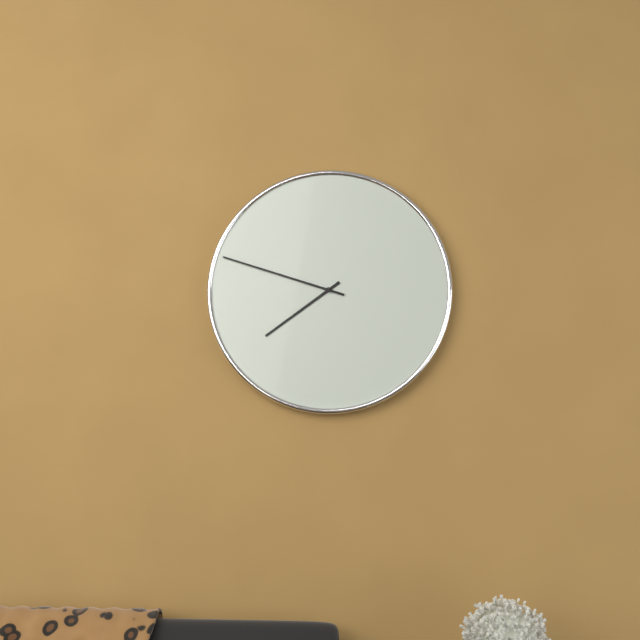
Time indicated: 7:48
